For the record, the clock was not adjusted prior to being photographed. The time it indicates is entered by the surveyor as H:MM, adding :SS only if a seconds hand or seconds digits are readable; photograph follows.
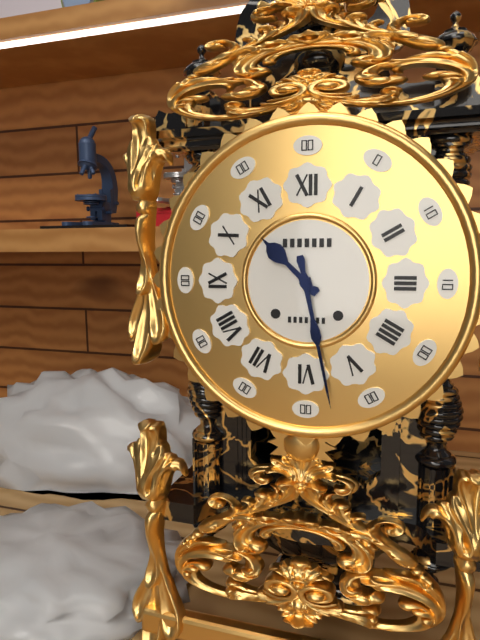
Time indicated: 10:28
